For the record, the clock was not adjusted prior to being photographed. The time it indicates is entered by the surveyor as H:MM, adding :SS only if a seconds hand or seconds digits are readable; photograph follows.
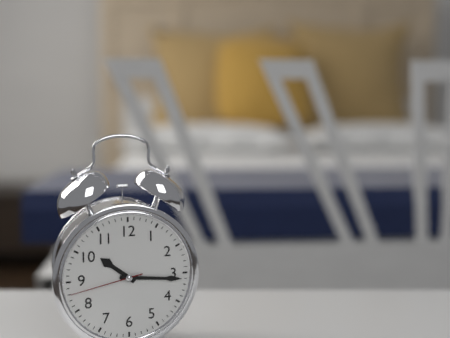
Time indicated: 10:16:43
